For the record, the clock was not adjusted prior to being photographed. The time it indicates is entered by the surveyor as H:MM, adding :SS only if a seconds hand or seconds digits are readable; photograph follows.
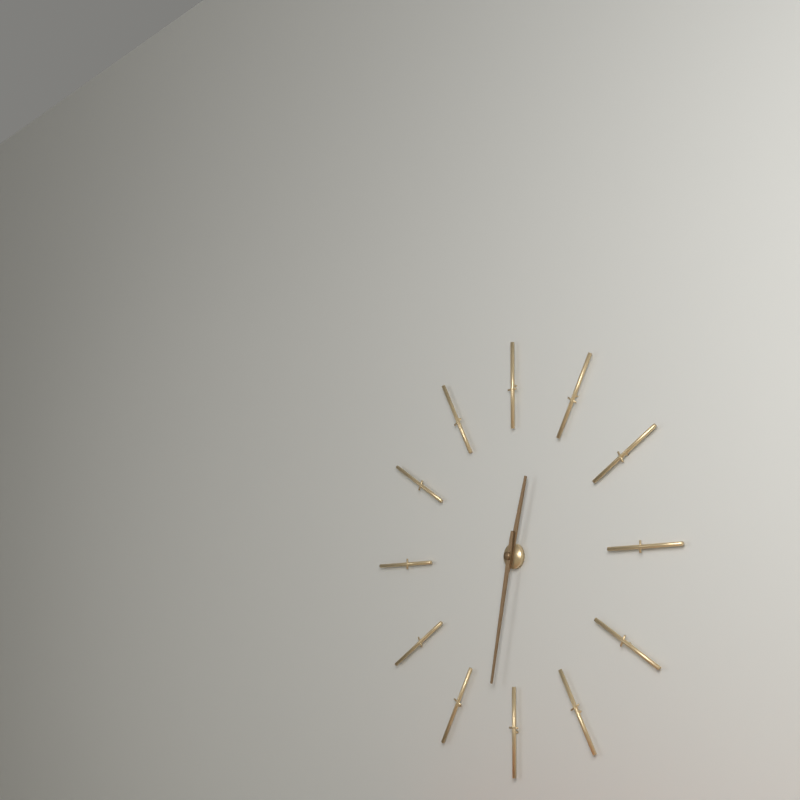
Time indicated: 12:32
